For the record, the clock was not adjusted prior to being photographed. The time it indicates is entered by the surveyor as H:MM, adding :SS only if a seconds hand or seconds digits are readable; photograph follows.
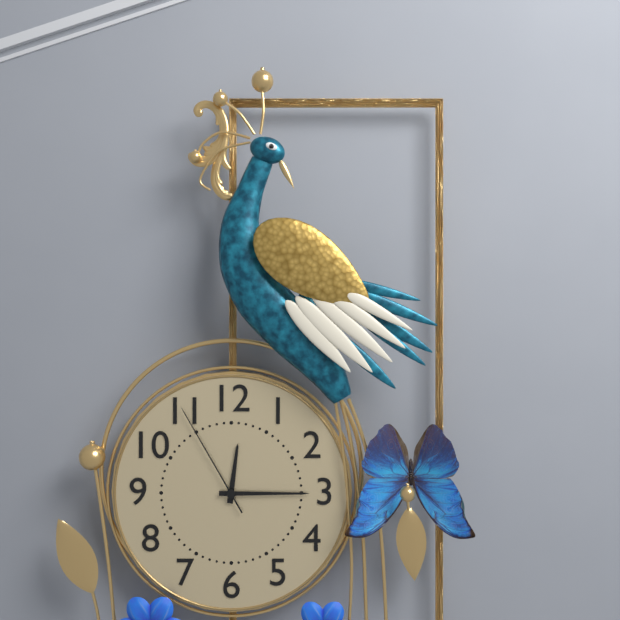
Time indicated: 12:15:55
